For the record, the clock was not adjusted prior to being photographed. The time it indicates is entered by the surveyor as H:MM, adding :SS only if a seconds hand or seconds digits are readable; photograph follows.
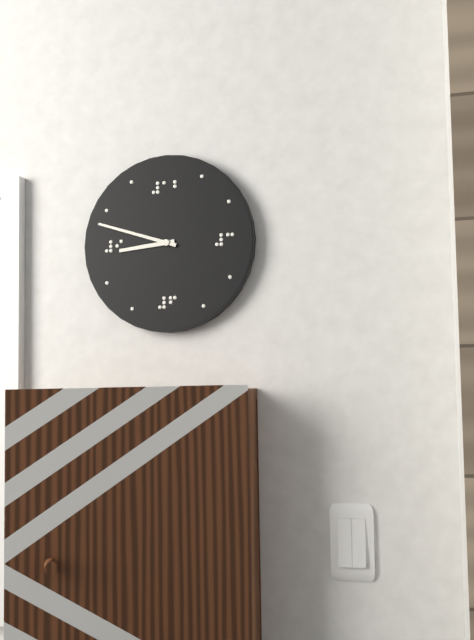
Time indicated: 8:48
